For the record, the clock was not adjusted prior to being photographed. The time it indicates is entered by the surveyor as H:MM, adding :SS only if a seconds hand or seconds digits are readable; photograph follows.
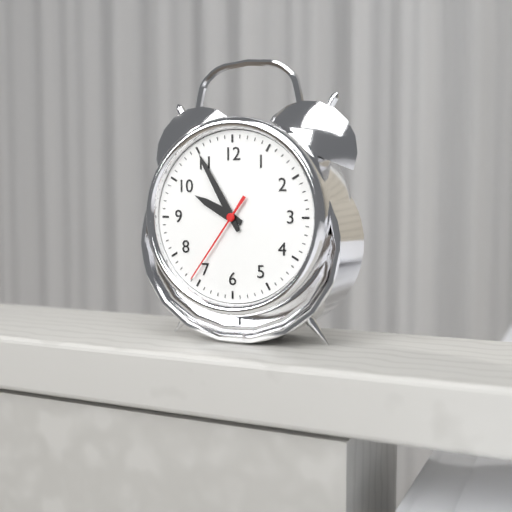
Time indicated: 9:55:36
